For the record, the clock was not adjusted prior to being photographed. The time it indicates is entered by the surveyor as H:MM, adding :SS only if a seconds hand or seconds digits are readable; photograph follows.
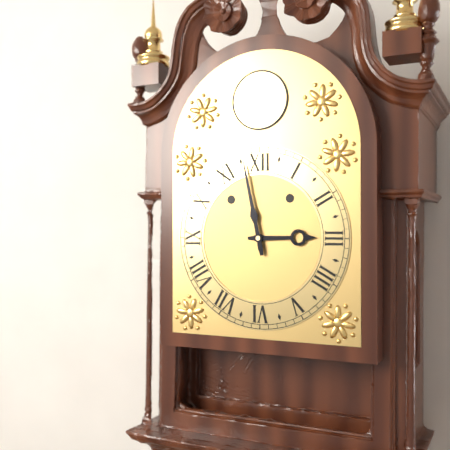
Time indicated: 2:58
